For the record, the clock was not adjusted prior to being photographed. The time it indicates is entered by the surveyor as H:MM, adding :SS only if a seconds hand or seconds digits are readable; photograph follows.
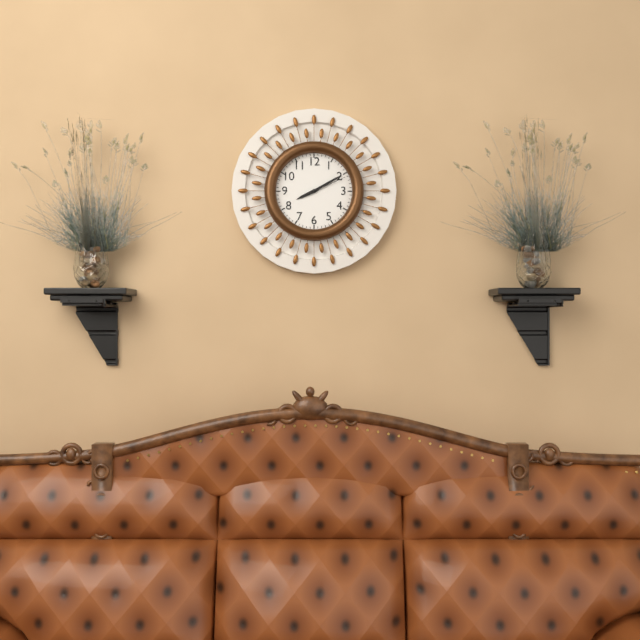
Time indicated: 8:10
